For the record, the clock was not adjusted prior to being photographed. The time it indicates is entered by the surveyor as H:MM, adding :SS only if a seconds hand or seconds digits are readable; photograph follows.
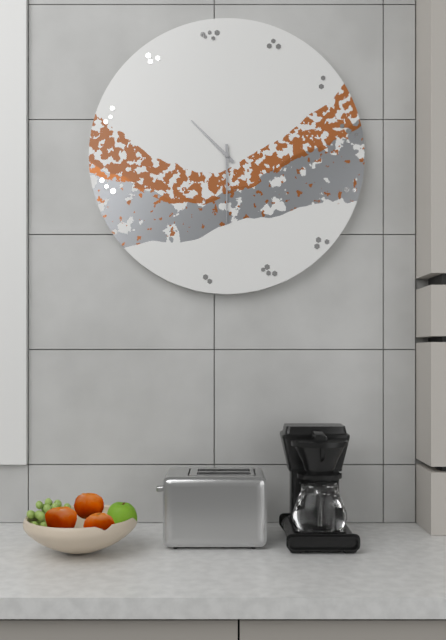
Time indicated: 10:30
